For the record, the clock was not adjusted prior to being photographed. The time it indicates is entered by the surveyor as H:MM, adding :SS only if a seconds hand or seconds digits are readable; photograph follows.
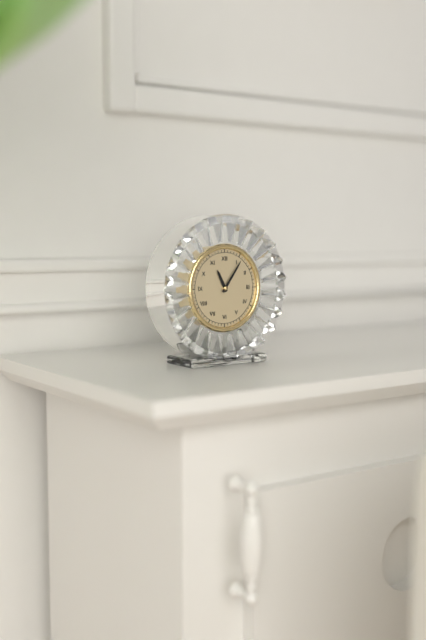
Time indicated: 11:06
